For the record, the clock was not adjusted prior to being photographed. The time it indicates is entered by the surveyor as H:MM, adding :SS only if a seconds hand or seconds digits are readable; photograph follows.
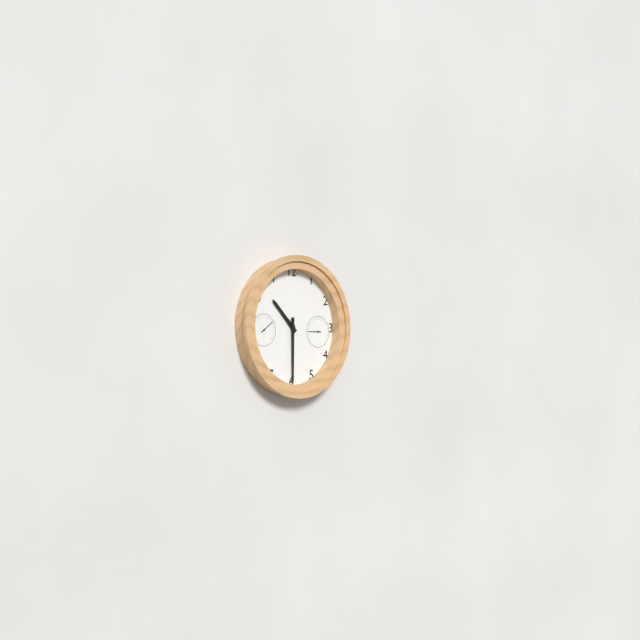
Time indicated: 10:30
